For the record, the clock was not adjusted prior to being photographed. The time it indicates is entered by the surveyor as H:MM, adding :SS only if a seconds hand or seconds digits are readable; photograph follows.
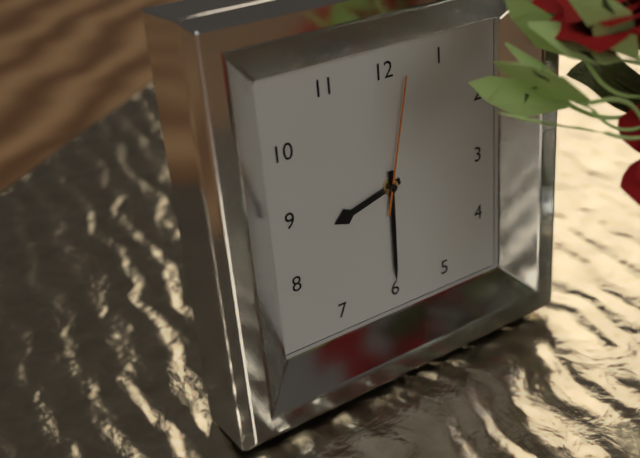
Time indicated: 8:30:02
